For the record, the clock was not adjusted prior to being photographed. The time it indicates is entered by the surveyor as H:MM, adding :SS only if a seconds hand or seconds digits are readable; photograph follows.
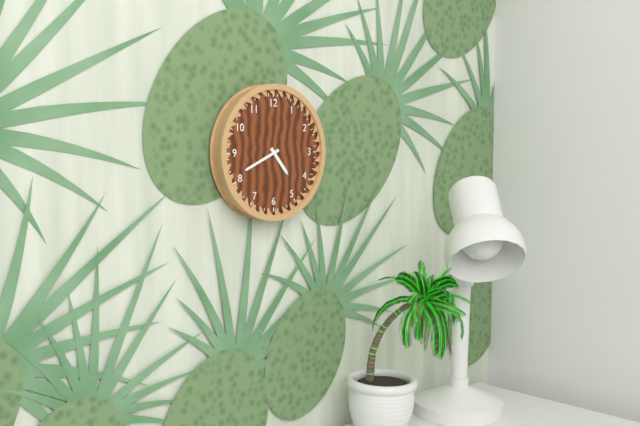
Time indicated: 4:41
